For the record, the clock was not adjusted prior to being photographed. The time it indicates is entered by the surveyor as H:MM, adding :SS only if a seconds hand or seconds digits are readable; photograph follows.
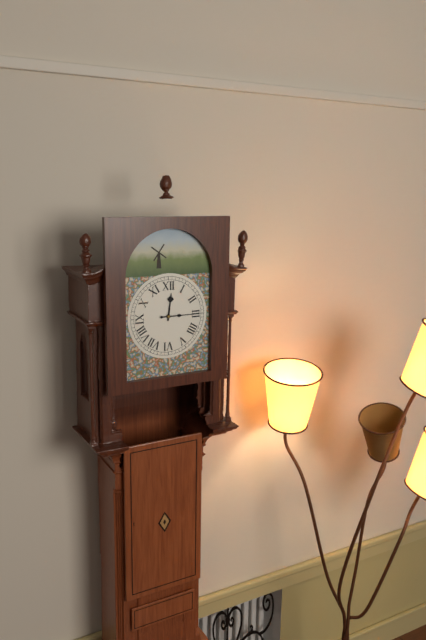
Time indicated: 12:15
